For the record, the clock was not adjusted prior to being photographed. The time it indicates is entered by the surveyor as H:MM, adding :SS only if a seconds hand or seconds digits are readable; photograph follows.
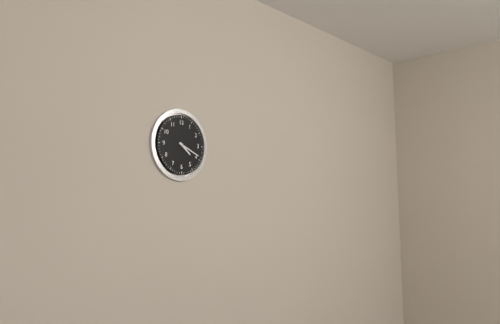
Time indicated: 4:19
